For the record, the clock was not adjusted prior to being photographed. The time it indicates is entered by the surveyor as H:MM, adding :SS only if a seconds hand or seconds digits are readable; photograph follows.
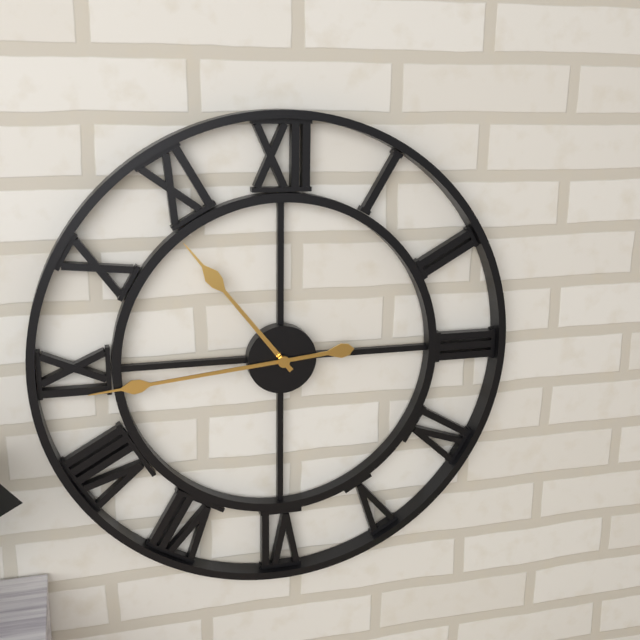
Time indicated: 10:44
